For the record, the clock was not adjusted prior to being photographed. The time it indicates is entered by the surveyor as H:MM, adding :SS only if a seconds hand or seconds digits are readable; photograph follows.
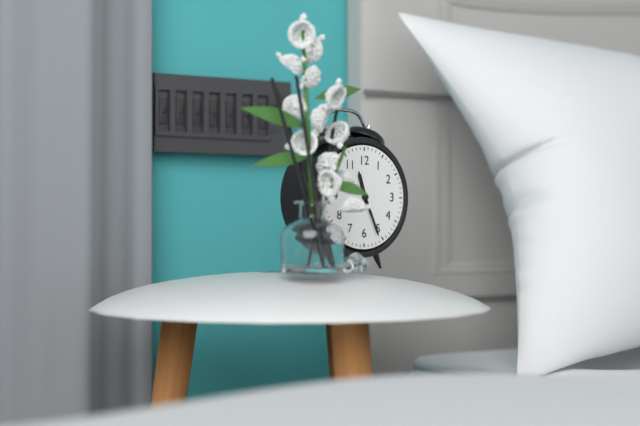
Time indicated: 11:26
